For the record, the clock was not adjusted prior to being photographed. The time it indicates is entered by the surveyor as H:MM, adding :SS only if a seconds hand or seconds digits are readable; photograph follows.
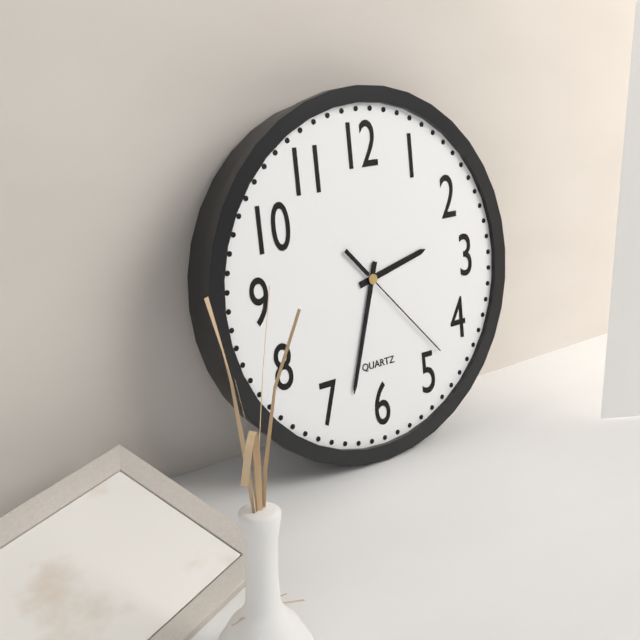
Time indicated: 2:33:23
